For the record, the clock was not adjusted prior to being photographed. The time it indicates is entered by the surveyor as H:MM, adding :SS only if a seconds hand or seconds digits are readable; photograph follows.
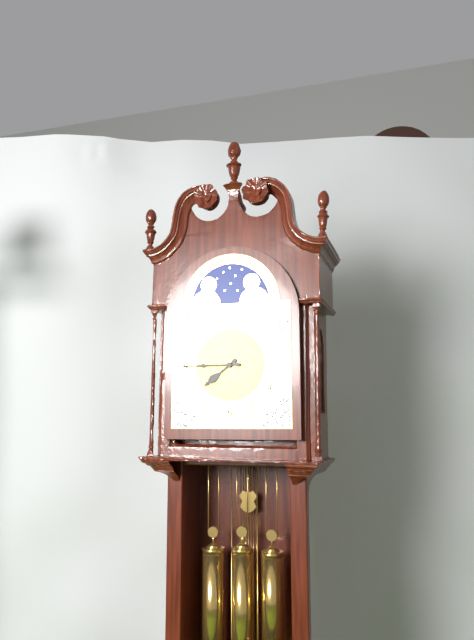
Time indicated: 7:45
